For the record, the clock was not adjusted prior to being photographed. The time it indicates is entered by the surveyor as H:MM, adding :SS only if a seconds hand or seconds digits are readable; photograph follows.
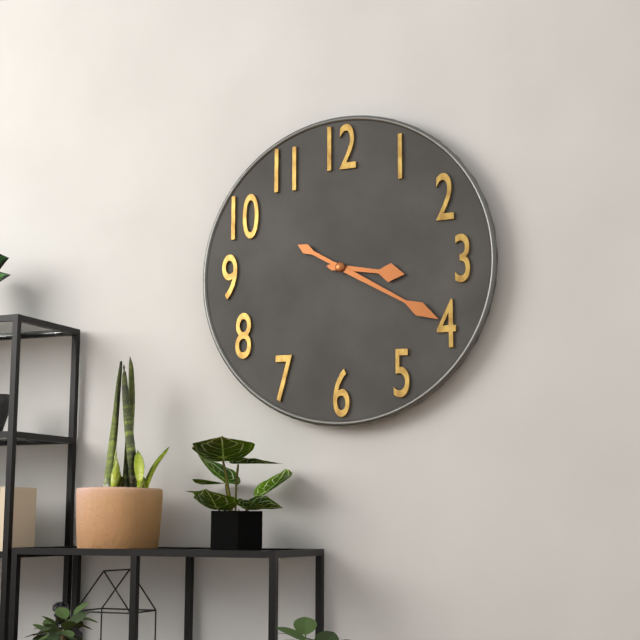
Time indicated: 3:20
